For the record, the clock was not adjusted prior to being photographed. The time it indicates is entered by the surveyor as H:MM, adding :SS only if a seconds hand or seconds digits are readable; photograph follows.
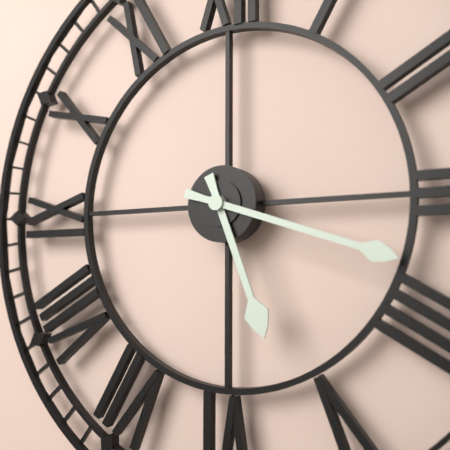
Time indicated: 5:18
